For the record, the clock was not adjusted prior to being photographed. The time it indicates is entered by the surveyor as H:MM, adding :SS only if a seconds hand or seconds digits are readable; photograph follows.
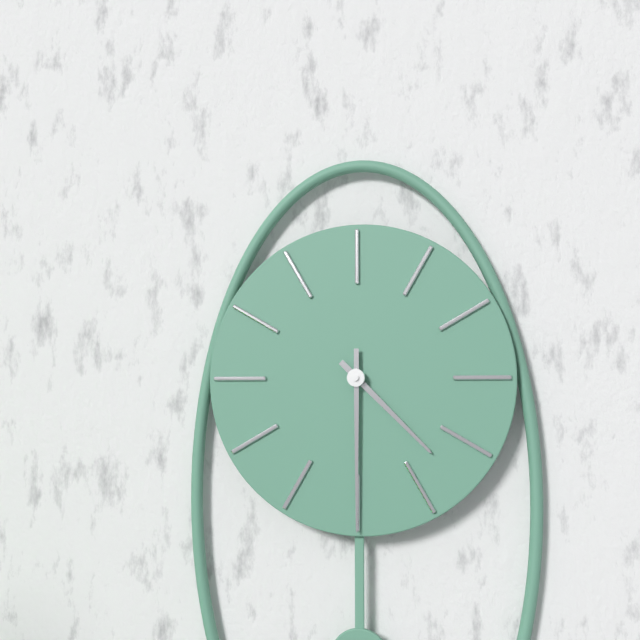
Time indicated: 4:30
